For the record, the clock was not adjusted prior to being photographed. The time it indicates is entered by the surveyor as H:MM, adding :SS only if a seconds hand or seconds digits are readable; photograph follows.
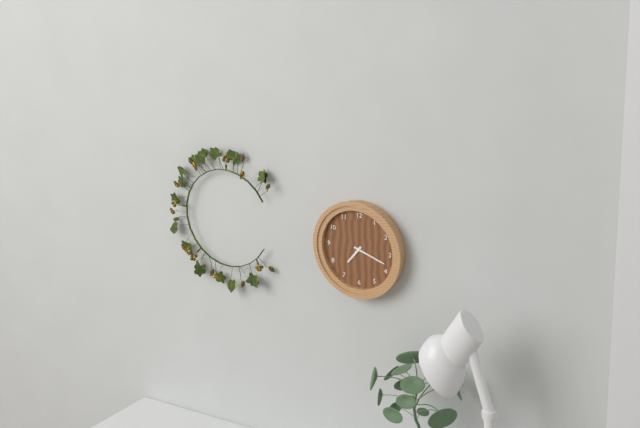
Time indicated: 7:18
